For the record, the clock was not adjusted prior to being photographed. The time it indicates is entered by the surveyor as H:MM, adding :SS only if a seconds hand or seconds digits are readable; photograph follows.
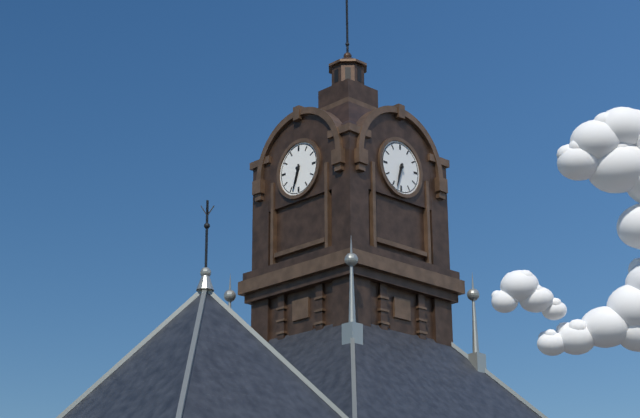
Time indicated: 6:33
